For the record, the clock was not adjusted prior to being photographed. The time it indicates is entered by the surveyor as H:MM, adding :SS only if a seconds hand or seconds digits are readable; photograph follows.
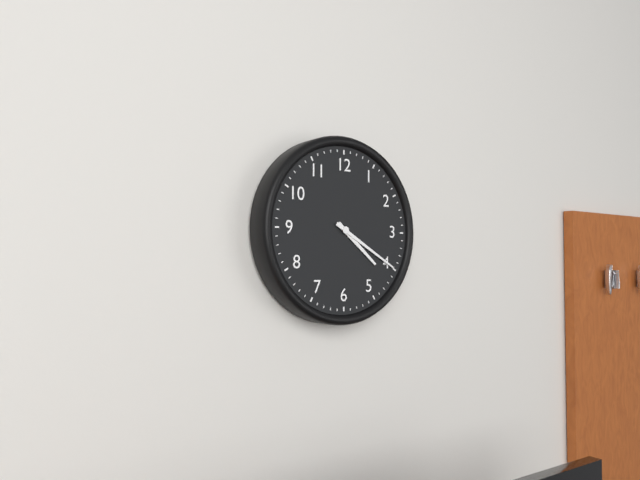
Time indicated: 4:20
